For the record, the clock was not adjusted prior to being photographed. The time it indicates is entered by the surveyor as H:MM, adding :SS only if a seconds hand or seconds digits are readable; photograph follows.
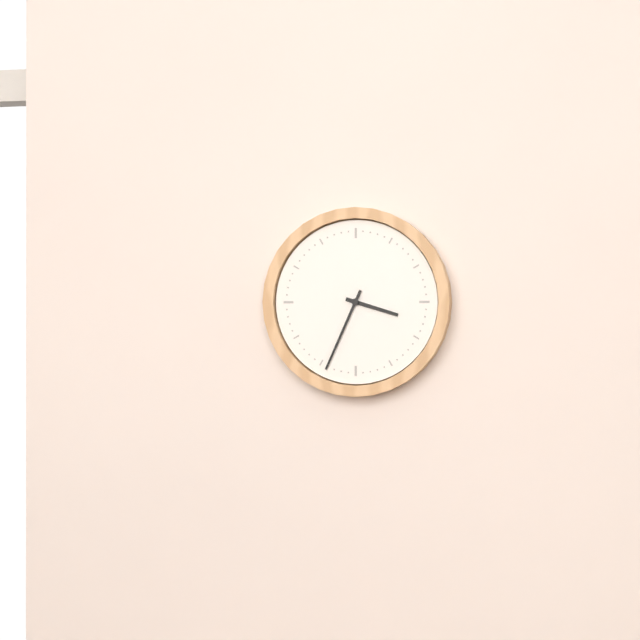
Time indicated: 3:34
